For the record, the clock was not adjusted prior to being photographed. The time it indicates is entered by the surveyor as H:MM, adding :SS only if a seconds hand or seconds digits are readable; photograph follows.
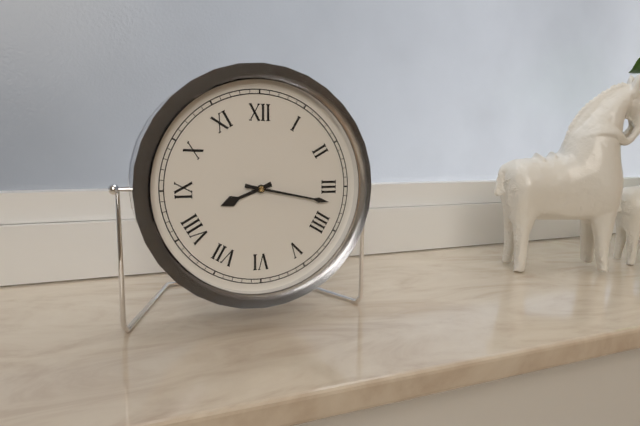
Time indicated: 8:17
